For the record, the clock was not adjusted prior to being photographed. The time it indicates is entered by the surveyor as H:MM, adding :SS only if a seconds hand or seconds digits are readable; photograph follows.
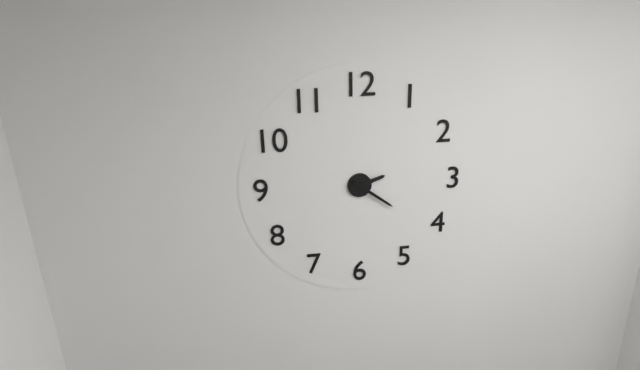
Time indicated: 2:21
